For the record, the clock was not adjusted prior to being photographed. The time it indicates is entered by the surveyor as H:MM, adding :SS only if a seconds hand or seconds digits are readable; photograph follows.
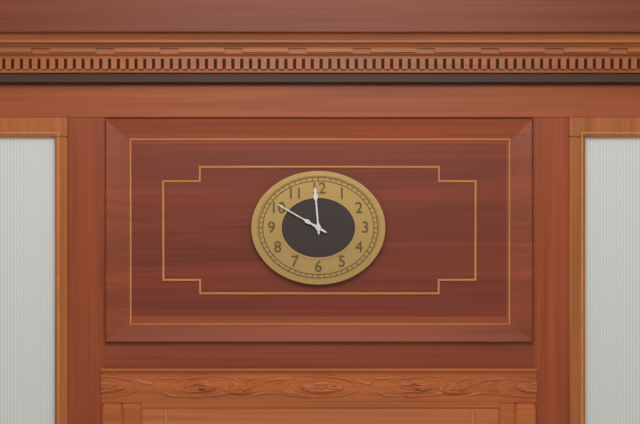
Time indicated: 11:50
